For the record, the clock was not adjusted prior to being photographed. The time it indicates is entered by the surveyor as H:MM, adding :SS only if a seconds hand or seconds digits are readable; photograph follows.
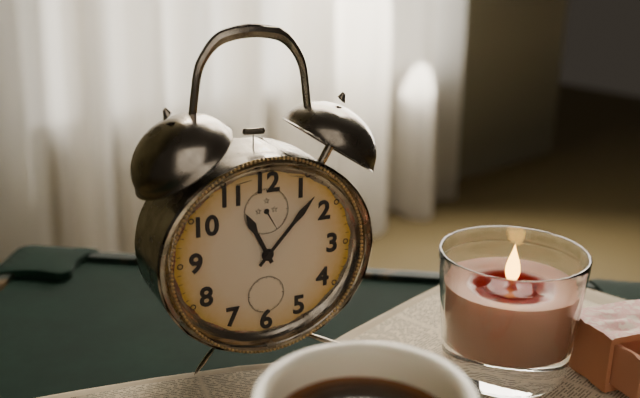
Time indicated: 11:07
